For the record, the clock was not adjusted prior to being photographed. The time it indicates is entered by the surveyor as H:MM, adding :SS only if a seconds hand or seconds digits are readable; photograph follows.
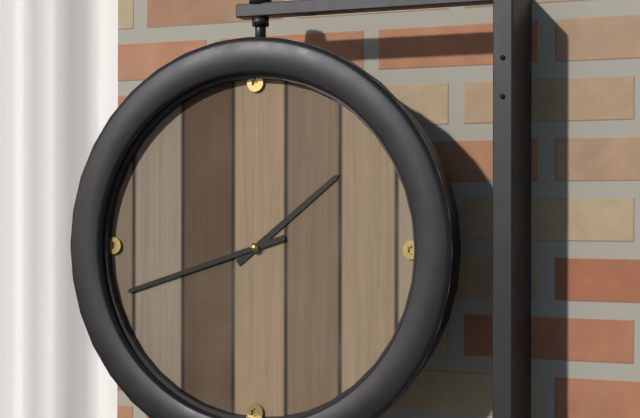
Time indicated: 1:42
